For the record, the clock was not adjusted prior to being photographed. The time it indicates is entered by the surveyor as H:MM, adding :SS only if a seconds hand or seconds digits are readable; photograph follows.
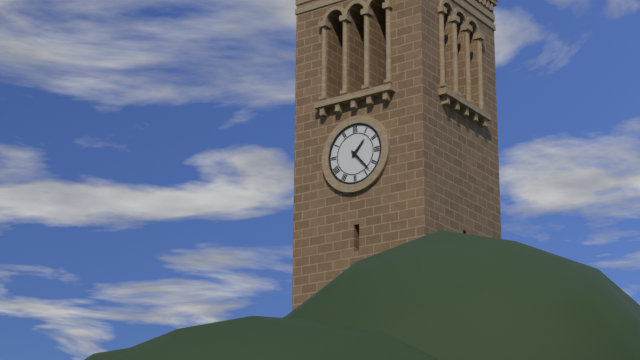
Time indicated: 1:23
